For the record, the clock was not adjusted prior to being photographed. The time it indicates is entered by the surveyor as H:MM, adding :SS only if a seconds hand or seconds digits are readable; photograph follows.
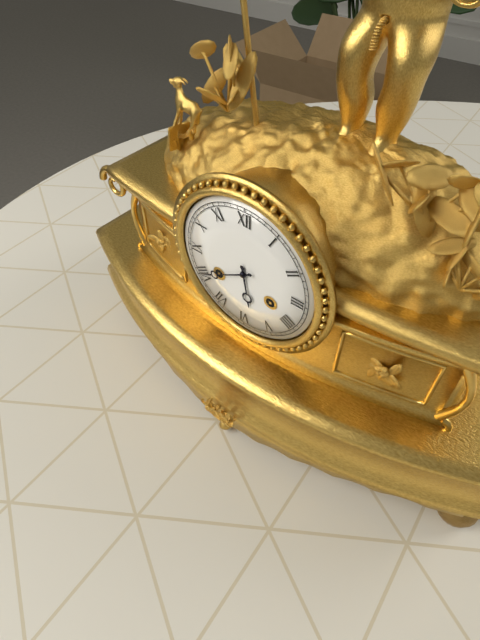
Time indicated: 5:40
